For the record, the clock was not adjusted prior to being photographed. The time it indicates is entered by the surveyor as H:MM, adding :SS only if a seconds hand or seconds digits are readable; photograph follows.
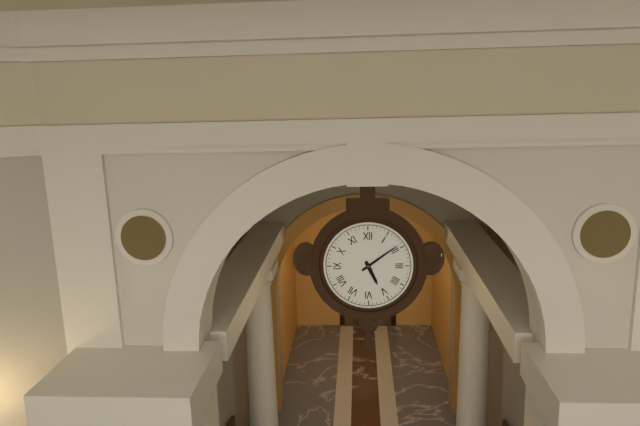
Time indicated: 5:09
